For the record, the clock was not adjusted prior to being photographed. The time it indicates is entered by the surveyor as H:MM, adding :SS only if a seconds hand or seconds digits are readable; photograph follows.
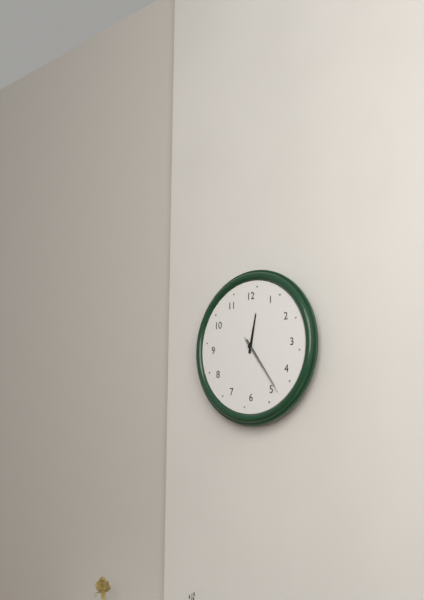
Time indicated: 12:24:24
